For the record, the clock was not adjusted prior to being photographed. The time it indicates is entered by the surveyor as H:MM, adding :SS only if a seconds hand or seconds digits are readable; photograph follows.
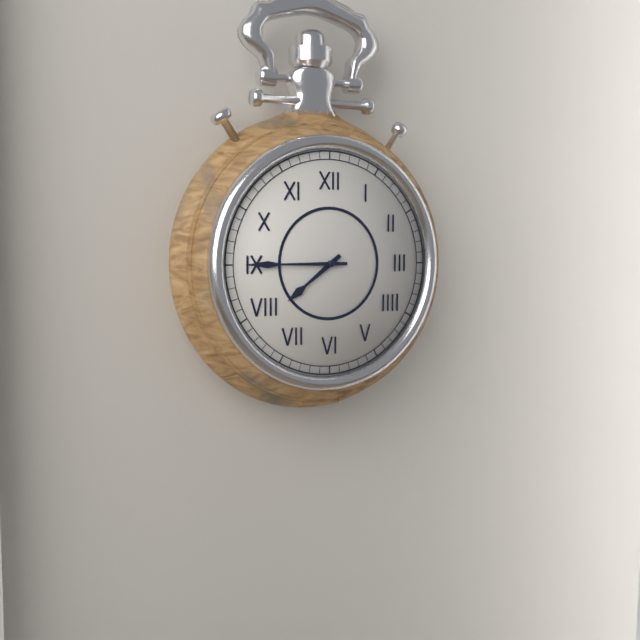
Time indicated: 7:45
